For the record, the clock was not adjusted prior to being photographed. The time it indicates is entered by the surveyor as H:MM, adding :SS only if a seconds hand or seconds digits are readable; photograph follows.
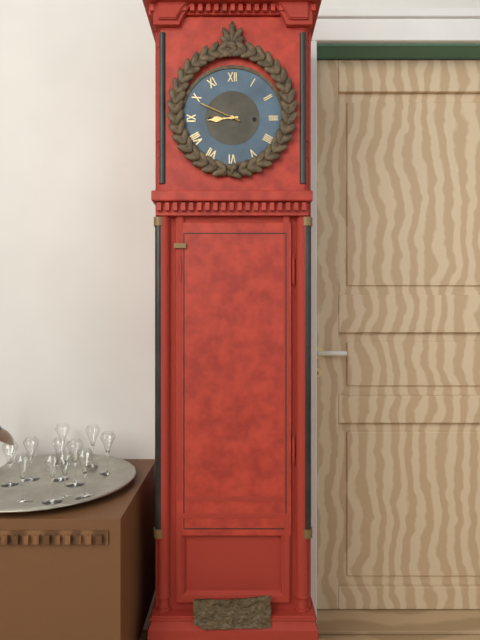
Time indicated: 8:49
